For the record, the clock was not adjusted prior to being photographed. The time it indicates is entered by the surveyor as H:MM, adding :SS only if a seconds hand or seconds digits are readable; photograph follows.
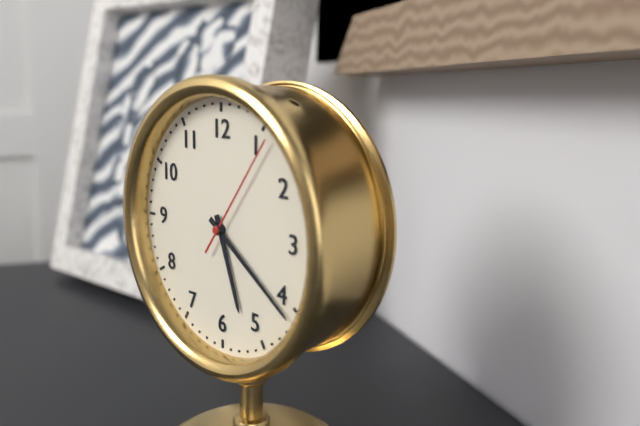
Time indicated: 5:21:06
